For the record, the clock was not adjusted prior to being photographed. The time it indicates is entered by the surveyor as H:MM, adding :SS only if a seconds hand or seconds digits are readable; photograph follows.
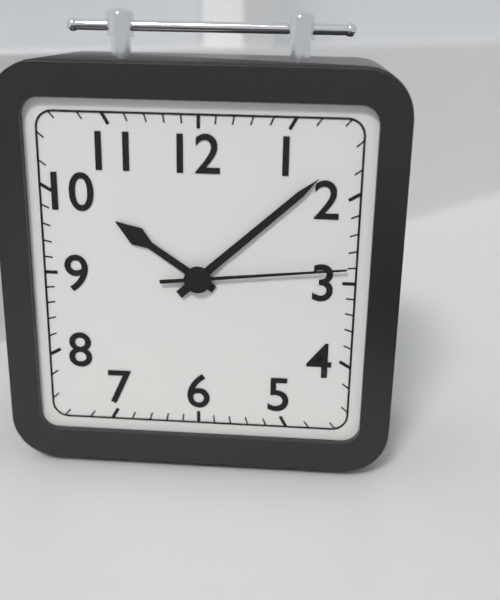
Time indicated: 10:08:14
